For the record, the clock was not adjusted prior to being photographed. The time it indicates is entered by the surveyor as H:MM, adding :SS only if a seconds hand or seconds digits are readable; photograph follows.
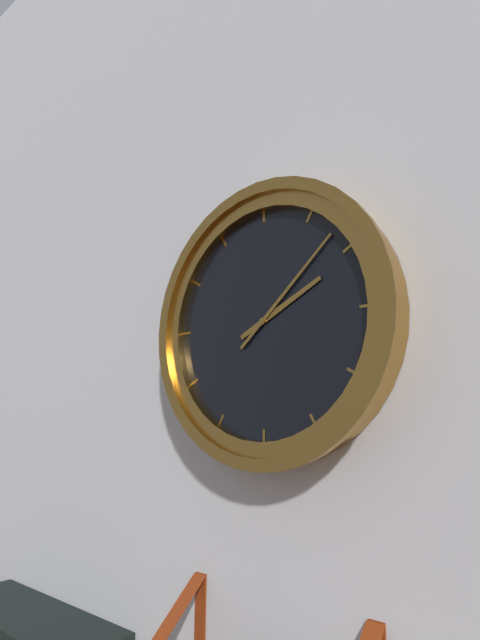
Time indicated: 2:08
